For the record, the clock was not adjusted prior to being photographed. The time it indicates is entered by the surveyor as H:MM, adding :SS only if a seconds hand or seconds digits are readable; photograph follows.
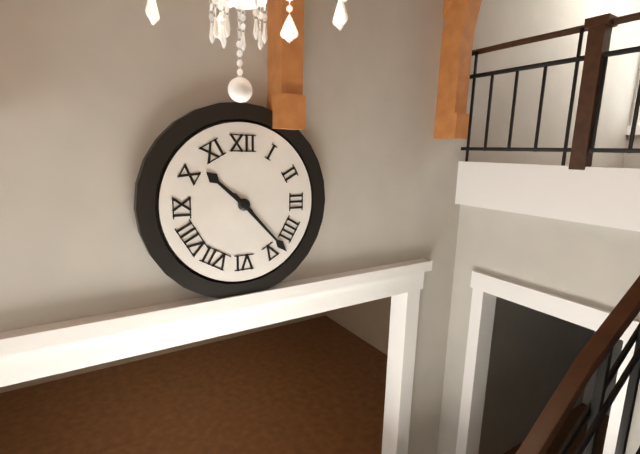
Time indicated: 10:23
